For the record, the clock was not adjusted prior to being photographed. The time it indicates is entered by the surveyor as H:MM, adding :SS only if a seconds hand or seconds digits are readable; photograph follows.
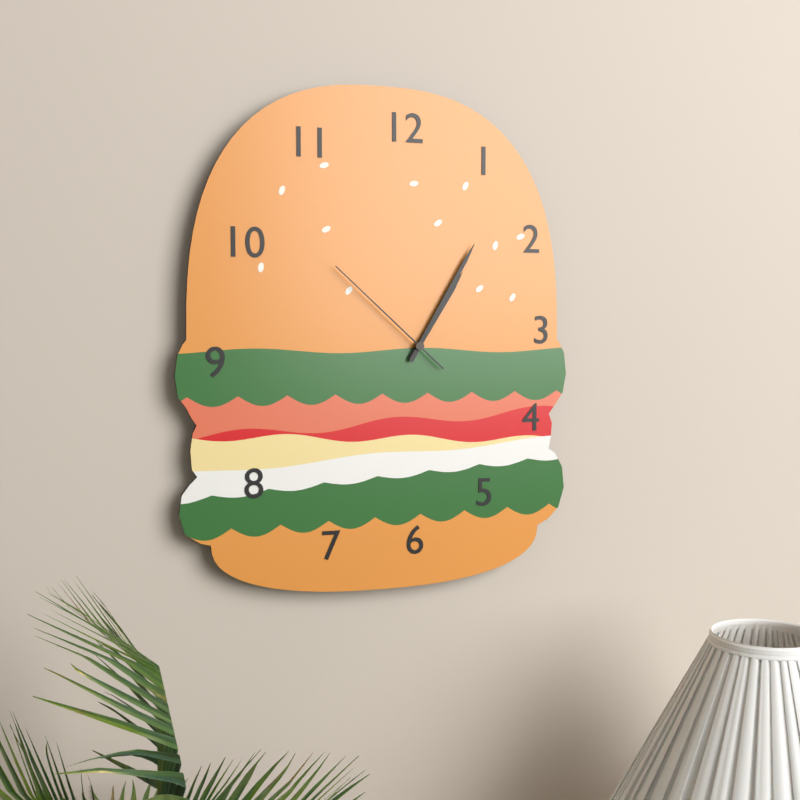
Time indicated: 1:05:52
